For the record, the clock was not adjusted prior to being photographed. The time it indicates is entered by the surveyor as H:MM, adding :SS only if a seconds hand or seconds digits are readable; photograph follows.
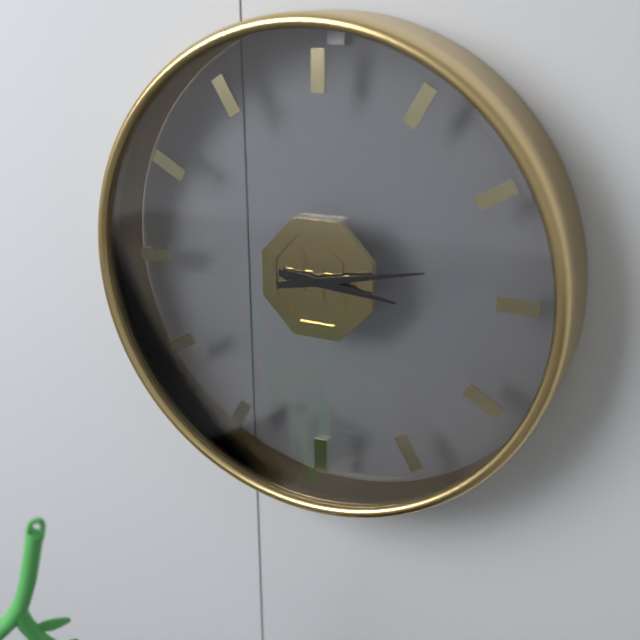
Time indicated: 3:13
